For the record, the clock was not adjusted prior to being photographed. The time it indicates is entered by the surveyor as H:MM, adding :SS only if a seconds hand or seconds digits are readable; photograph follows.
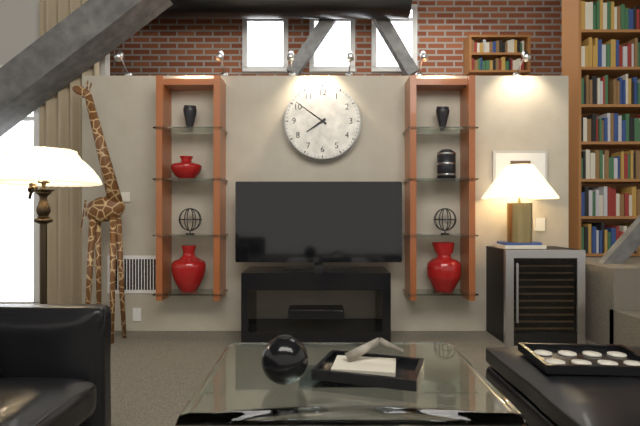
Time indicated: 7:51
